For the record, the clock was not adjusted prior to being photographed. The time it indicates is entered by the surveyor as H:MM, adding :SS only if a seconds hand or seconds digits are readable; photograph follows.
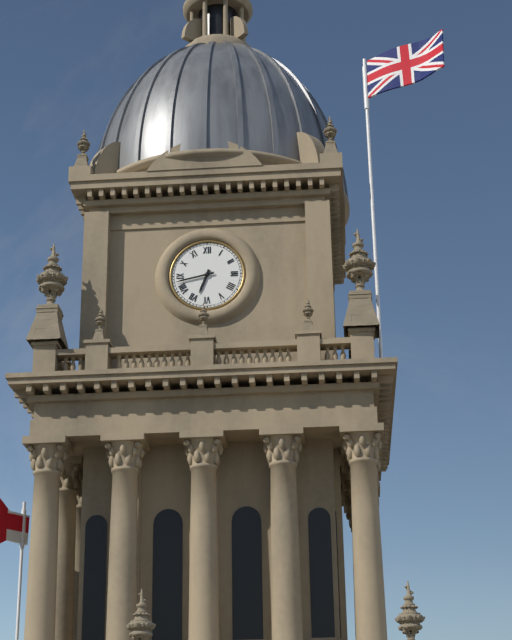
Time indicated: 6:43
